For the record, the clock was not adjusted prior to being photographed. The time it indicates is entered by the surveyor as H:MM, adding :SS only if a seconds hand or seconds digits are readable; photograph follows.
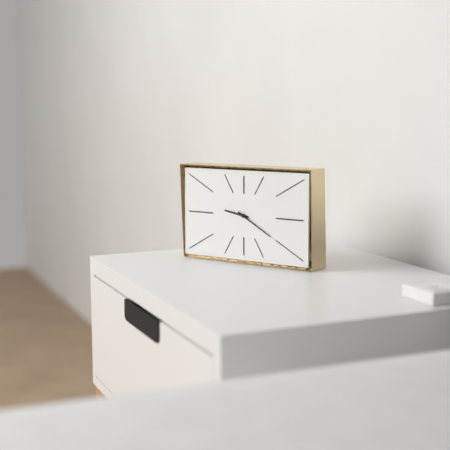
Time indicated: 9:20
